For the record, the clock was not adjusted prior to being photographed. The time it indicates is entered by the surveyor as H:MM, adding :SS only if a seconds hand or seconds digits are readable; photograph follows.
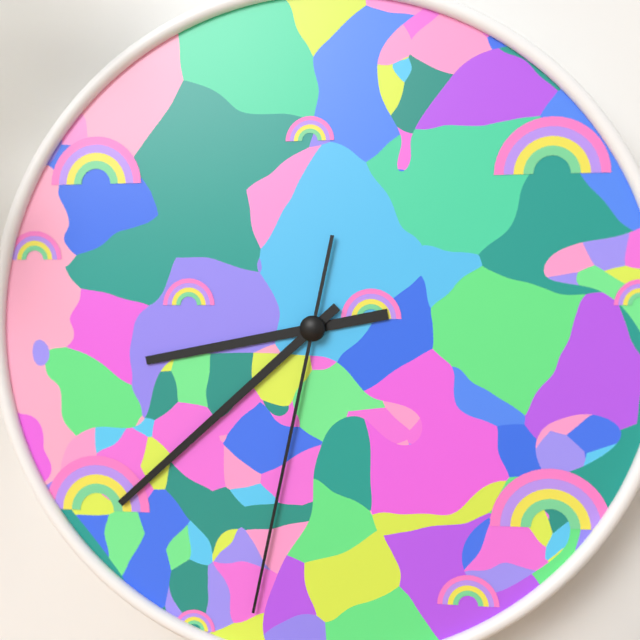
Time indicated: 8:38:32
